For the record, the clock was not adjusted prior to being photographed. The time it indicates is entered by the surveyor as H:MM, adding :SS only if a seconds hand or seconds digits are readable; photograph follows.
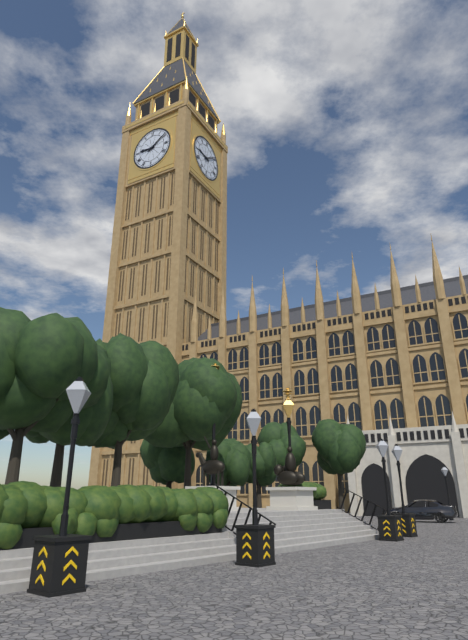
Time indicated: 9:09
